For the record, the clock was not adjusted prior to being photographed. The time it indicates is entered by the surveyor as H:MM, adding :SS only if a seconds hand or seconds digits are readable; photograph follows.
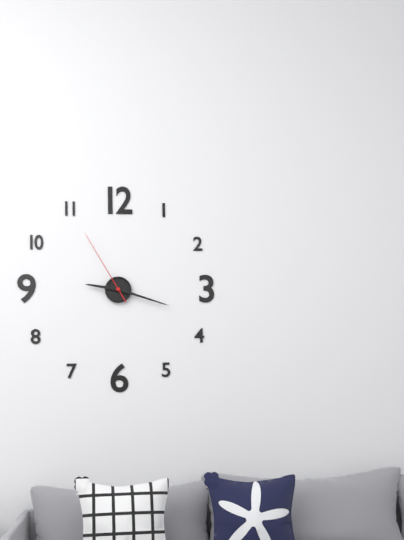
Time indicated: 9:18:55
